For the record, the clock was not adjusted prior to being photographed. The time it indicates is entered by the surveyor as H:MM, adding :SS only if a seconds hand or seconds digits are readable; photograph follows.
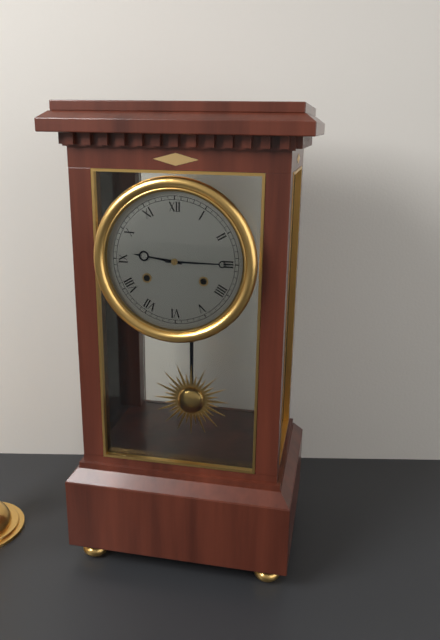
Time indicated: 9:15
